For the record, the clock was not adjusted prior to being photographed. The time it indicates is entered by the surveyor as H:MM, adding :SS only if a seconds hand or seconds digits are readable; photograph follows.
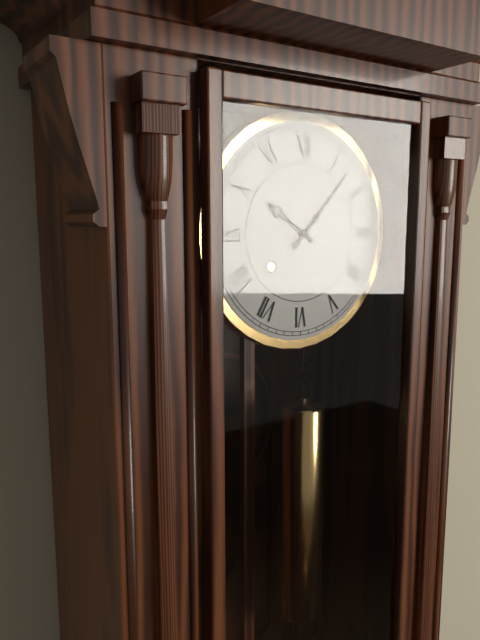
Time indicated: 10:07
